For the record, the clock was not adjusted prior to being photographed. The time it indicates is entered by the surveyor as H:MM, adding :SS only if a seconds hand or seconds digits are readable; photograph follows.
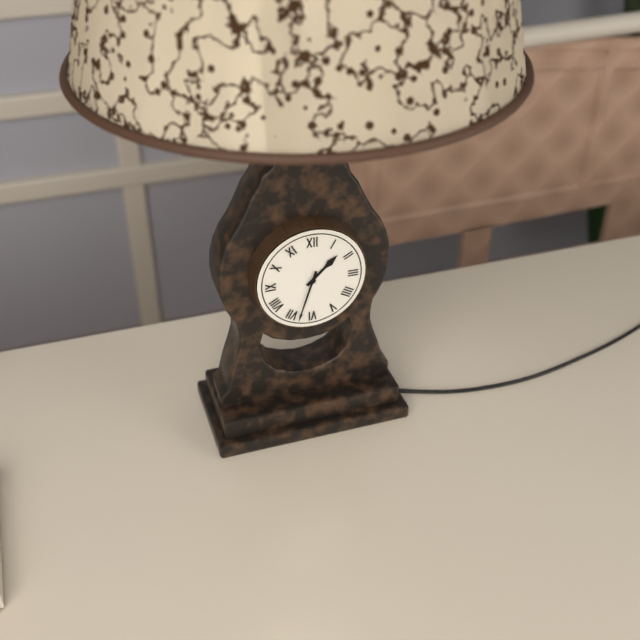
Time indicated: 1:33
